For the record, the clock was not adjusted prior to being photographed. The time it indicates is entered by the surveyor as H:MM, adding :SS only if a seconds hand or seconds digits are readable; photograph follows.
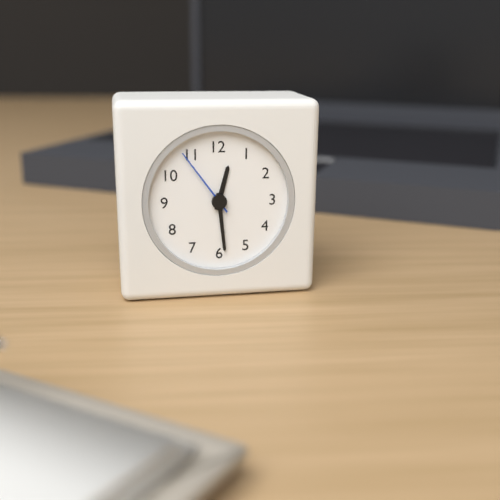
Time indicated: 12:29:54
